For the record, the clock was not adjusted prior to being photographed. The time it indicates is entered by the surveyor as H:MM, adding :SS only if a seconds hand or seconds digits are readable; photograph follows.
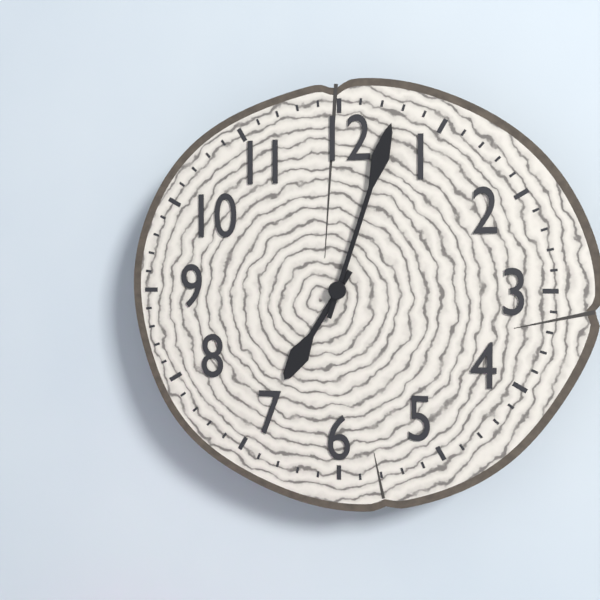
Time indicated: 7:03
